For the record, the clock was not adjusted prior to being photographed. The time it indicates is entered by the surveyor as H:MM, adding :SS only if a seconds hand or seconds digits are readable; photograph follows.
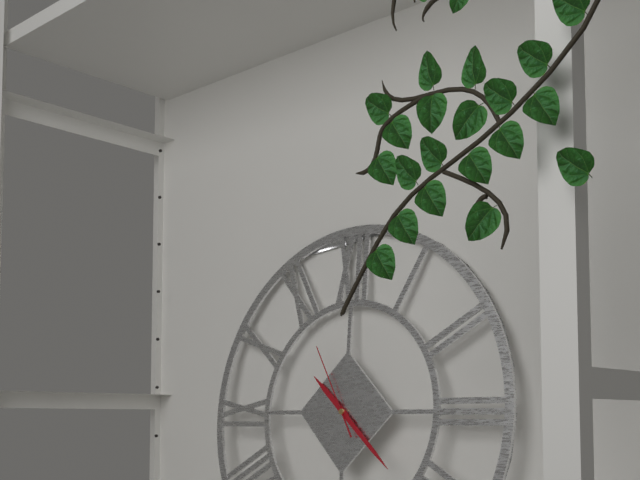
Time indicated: 10:22:55
